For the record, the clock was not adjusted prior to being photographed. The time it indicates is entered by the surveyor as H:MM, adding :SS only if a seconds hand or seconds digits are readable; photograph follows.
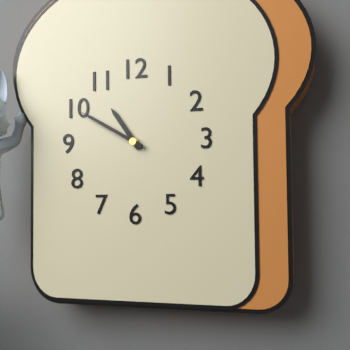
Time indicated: 10:50
